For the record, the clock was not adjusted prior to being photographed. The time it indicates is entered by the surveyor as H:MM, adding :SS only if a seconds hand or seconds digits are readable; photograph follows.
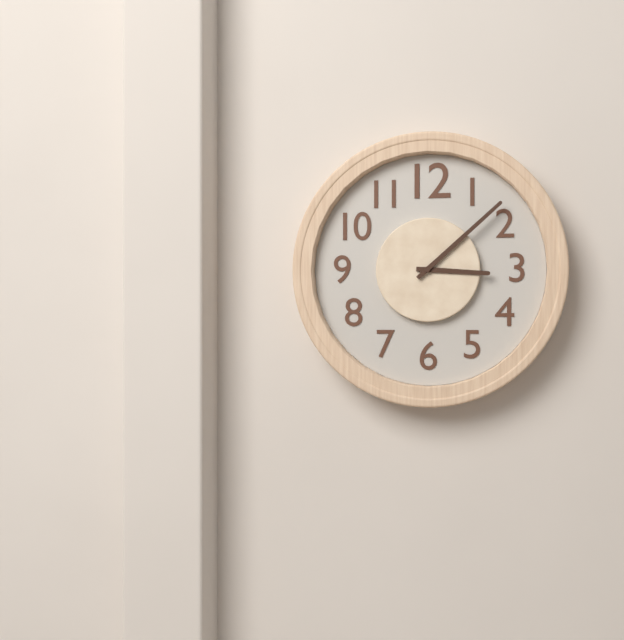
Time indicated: 3:08
